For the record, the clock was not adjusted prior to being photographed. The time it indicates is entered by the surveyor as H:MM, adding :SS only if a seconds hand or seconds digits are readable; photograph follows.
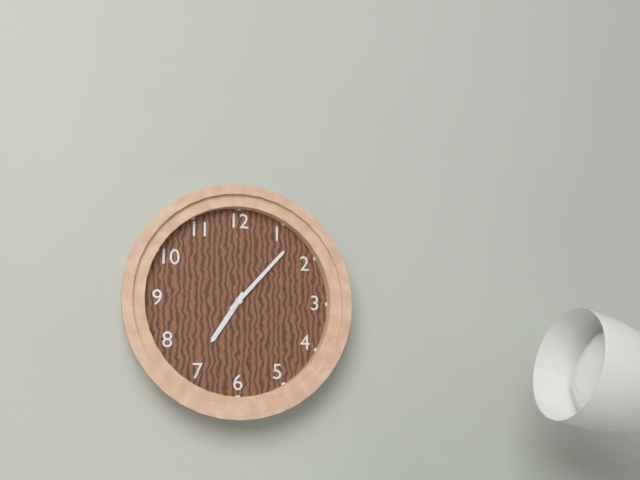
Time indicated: 7:07
